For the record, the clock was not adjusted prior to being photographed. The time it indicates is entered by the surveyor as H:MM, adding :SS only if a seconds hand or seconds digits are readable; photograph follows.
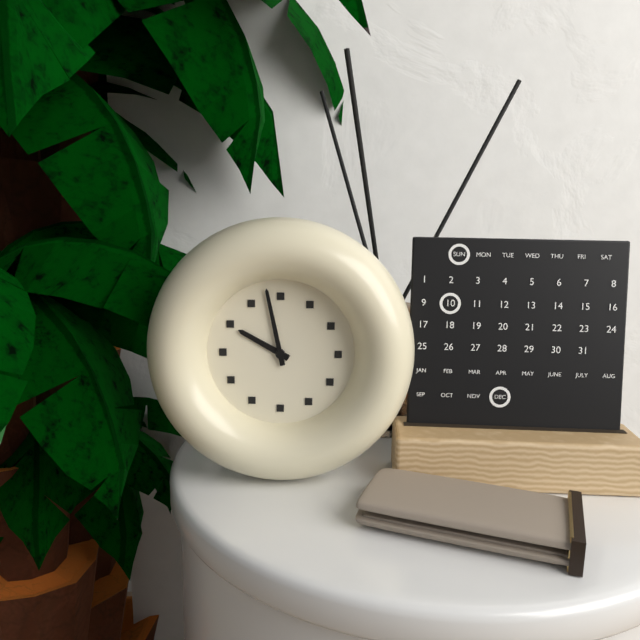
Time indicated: 9:58
